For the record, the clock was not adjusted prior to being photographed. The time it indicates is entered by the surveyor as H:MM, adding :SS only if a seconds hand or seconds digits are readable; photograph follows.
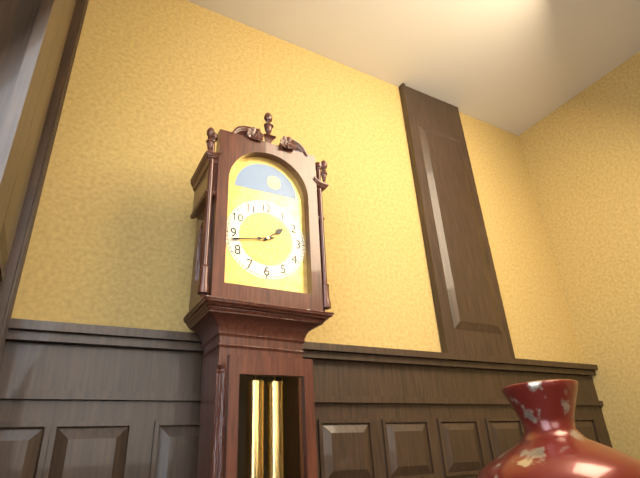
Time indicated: 1:43
